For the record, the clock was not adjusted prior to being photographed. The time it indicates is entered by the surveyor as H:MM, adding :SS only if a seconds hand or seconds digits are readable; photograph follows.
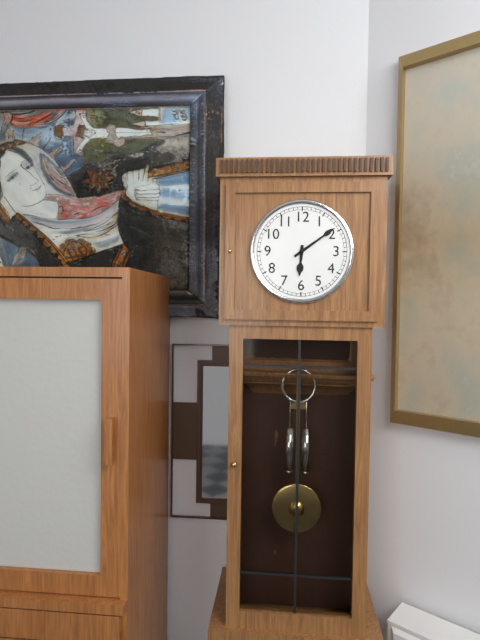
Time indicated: 6:09
